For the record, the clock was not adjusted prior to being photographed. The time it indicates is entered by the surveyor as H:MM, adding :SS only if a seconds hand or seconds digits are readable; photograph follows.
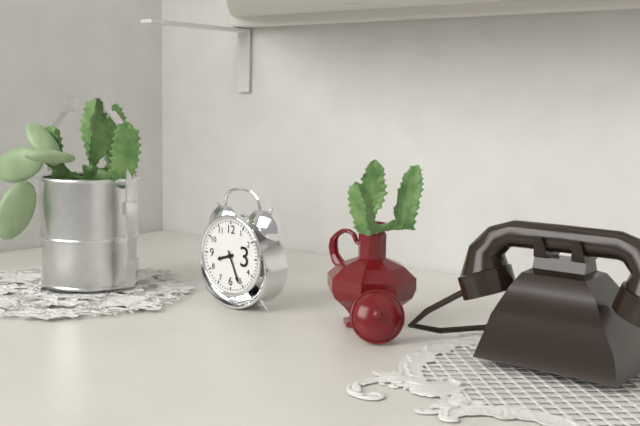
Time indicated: 8:26
